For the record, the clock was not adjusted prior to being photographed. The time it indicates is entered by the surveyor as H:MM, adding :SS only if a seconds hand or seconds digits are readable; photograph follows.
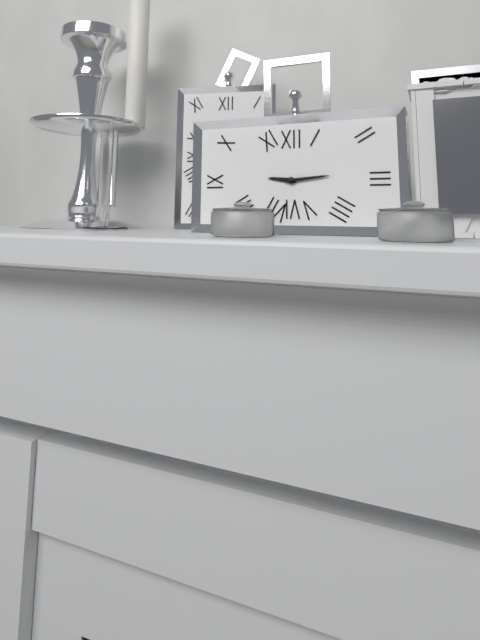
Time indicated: 9:14
